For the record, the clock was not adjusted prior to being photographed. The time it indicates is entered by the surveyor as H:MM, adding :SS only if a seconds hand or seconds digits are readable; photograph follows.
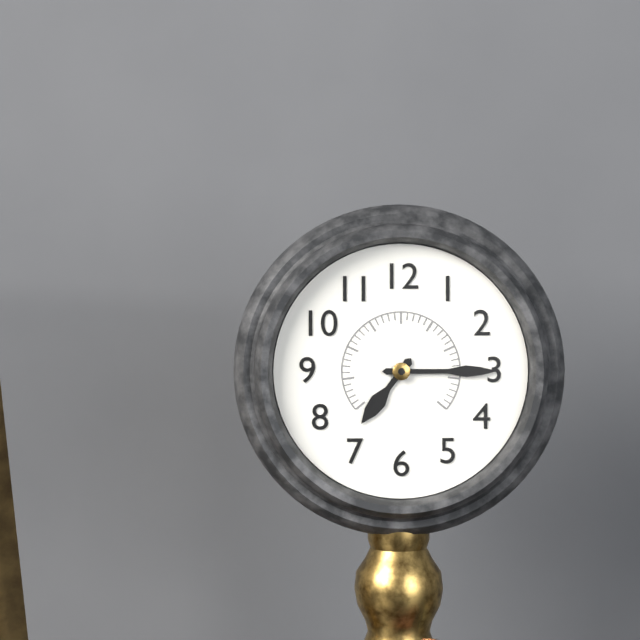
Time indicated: 7:15
